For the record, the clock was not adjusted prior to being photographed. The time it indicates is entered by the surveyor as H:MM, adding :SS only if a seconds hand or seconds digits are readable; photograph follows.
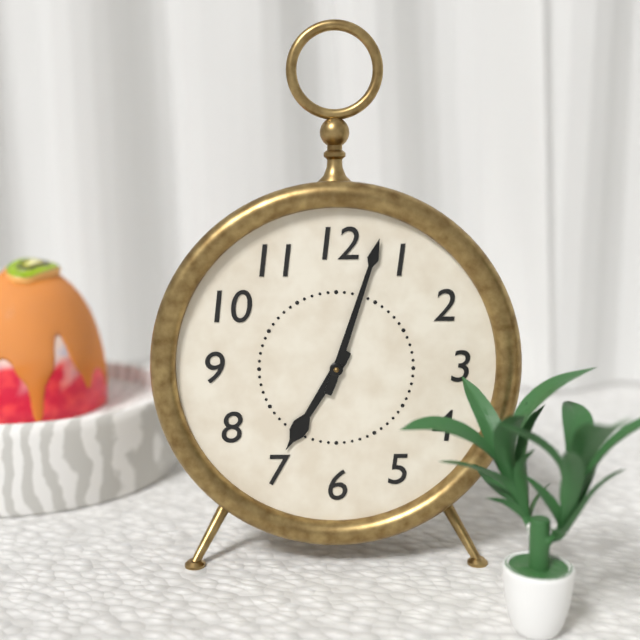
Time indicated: 7:03
